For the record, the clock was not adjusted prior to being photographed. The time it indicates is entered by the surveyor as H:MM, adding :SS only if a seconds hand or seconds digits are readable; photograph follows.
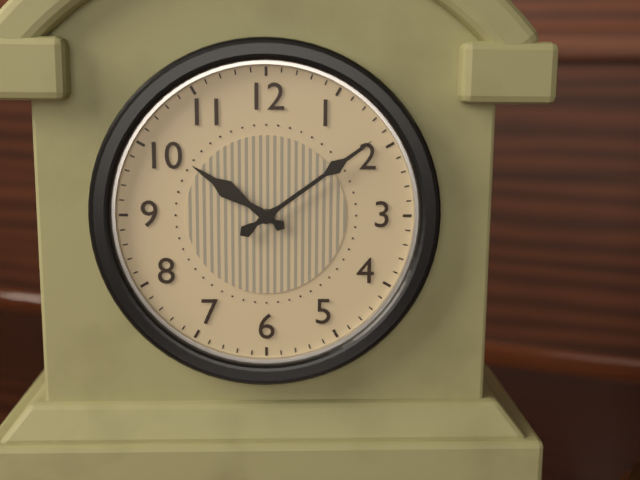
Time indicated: 10:09
